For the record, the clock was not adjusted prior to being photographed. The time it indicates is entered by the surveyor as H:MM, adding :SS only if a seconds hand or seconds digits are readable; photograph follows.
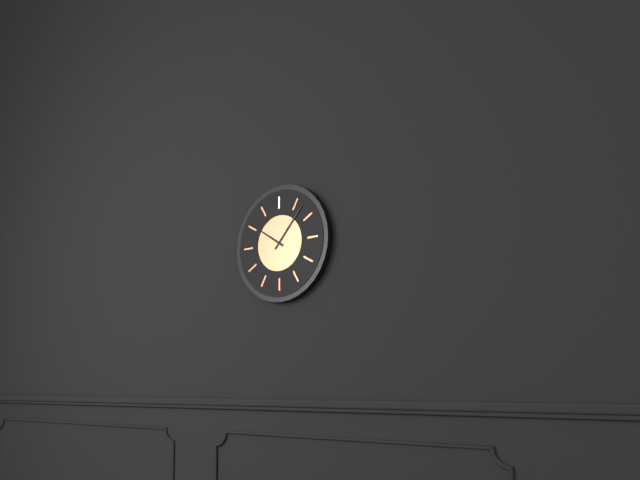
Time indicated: 10:07
